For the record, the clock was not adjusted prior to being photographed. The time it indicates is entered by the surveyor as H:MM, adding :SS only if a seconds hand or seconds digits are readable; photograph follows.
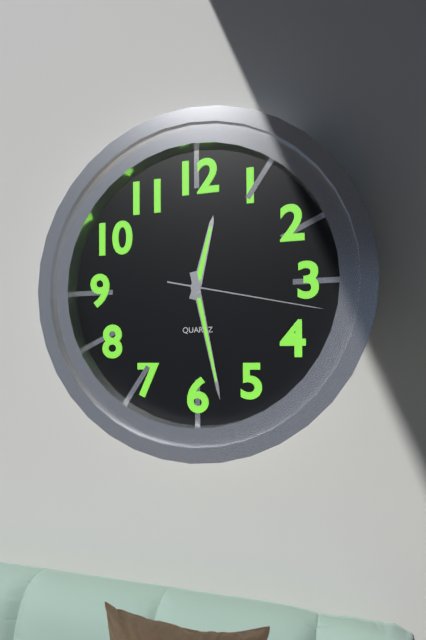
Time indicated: 12:28:17
